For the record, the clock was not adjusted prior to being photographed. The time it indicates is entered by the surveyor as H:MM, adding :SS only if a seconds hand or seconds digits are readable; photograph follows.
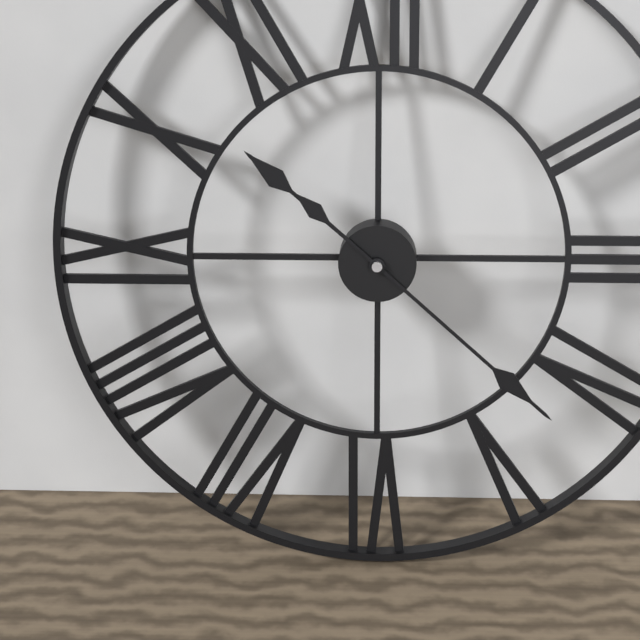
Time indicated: 10:22
